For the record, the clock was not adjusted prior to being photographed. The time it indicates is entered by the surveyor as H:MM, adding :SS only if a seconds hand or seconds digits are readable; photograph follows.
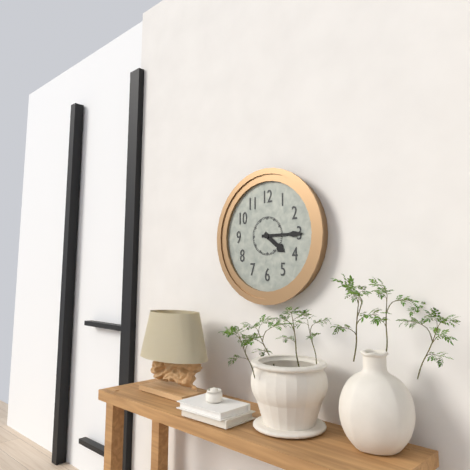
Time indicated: 4:15
